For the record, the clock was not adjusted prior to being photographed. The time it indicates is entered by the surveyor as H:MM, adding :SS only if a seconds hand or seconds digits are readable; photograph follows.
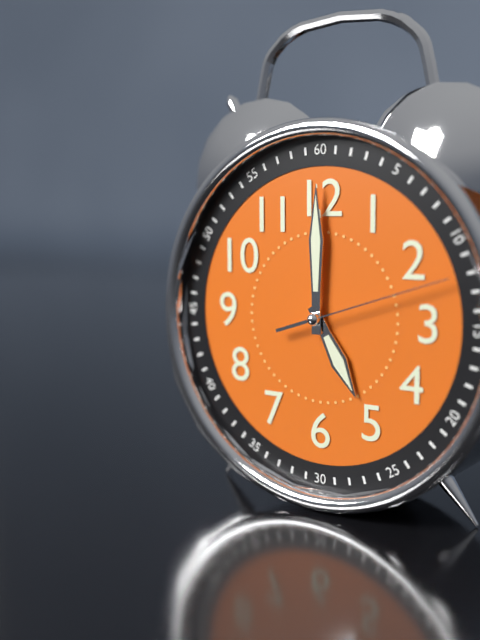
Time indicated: 5:00:12
